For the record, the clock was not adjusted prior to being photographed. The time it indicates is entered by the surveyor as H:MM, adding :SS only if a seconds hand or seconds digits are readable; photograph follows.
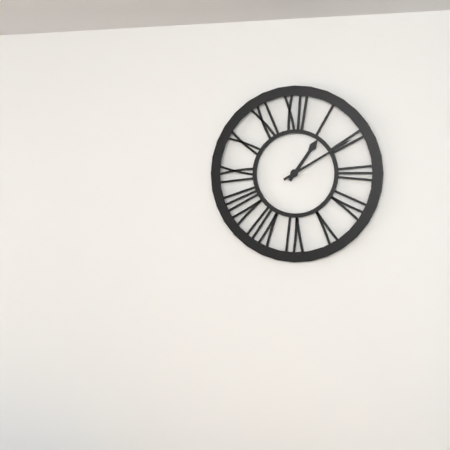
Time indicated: 1:10
